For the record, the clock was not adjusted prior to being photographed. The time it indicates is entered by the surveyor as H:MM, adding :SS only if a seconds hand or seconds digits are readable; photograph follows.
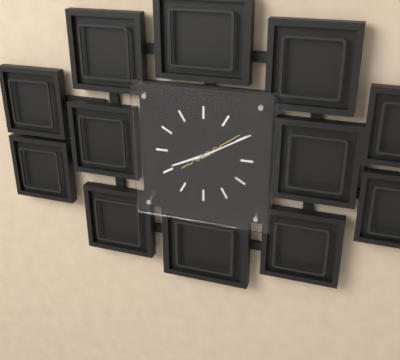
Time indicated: 8:10:09
